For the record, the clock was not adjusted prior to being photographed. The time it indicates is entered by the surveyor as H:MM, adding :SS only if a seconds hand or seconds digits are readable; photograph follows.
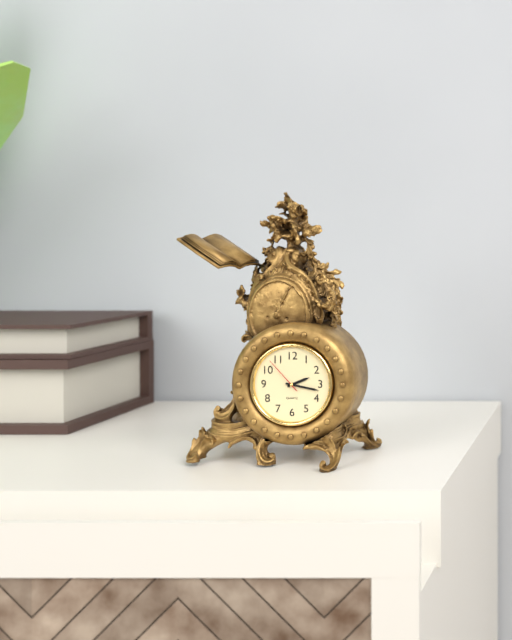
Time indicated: 2:17
